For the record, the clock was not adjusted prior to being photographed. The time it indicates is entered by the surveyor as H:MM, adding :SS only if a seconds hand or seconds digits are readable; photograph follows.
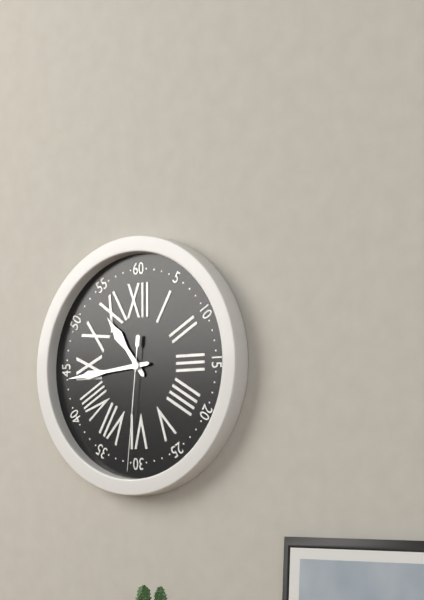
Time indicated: 10:44:31
